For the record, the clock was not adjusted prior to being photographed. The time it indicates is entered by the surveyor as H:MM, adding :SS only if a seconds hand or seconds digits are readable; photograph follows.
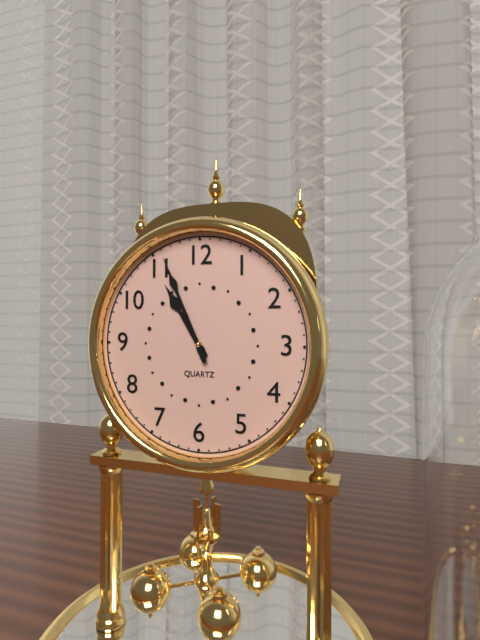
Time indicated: 10:56
